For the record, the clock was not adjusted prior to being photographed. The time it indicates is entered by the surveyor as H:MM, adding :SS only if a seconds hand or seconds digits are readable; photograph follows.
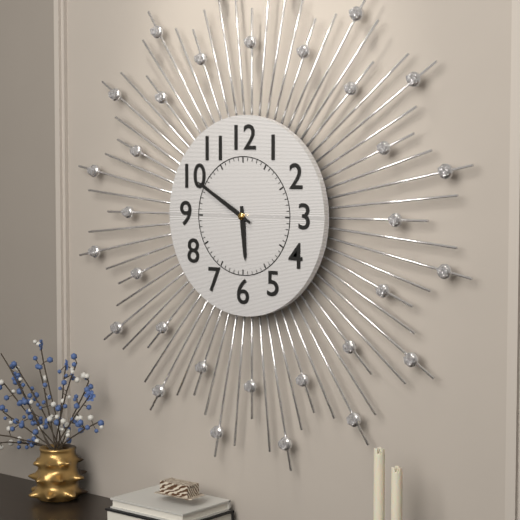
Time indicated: 5:50
